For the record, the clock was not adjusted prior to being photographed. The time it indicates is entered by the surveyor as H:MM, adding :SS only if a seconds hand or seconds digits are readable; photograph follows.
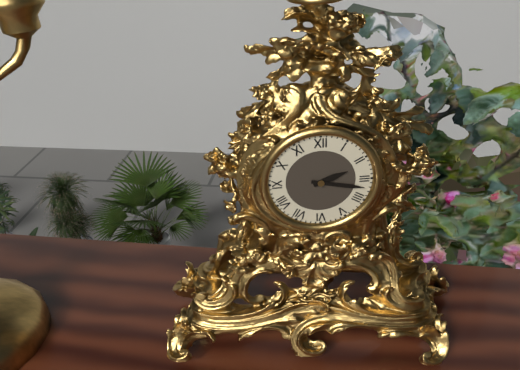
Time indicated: 2:17
